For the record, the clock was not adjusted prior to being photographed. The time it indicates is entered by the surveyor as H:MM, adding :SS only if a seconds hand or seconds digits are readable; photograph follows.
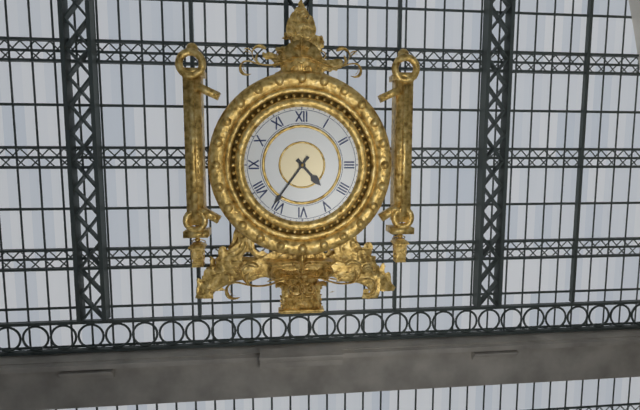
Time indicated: 4:36
